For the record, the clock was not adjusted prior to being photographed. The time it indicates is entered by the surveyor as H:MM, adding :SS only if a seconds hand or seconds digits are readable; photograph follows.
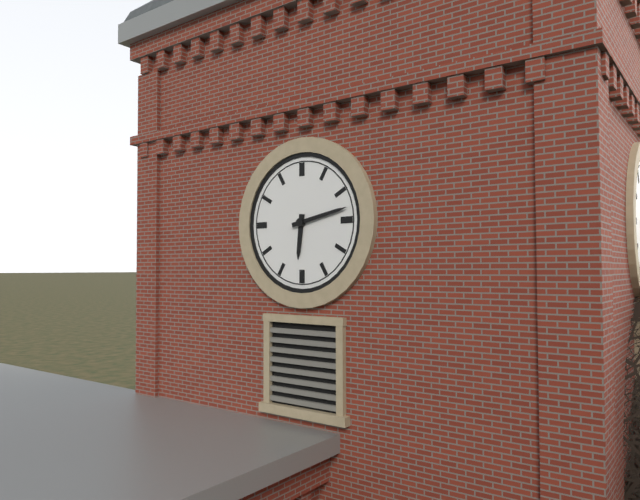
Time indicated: 6:13
